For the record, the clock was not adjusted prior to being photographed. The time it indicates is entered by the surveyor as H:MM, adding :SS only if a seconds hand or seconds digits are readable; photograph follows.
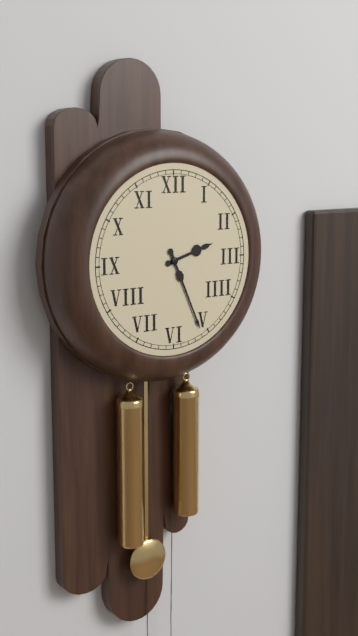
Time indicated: 2:26
